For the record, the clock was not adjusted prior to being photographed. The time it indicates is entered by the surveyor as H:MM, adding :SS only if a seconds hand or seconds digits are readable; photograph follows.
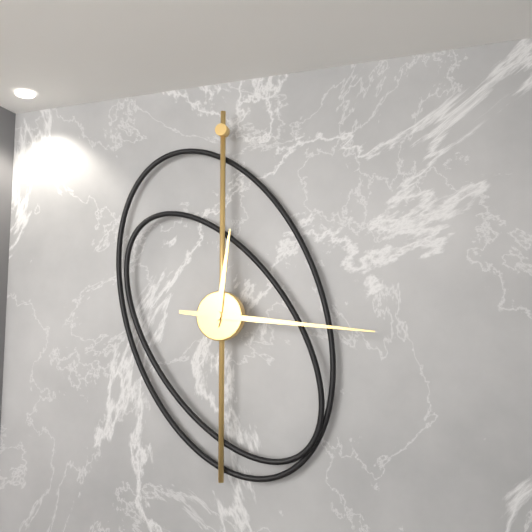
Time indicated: 12:16
